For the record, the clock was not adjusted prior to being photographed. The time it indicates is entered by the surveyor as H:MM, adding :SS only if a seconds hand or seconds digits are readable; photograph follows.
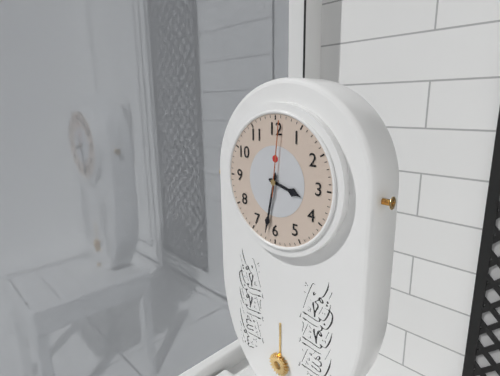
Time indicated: 3:32:01
